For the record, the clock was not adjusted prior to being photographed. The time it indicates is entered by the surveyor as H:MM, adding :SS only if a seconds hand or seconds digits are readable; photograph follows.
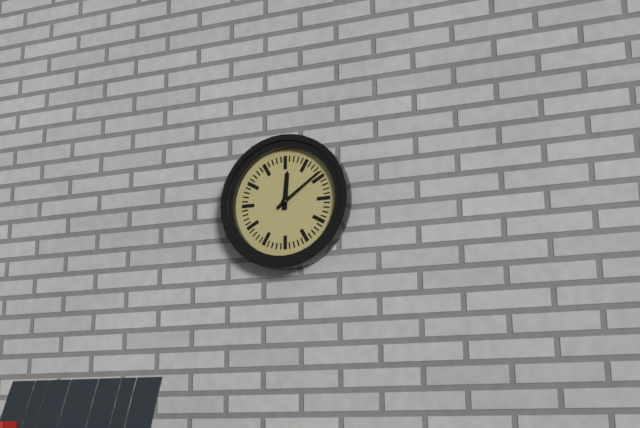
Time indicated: 12:09
